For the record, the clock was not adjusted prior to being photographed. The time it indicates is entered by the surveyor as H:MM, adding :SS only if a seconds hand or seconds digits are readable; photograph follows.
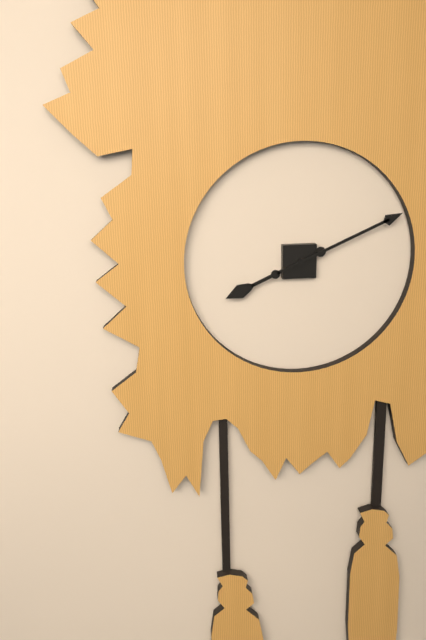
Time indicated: 8:11
